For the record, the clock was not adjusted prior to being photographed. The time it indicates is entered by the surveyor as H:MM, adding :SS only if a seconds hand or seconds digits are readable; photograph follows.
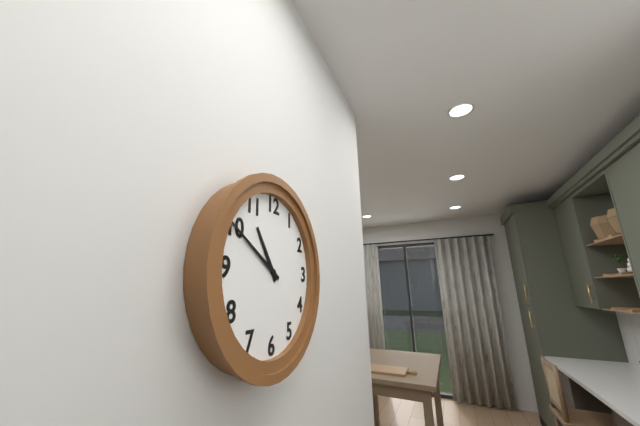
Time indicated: 10:50
